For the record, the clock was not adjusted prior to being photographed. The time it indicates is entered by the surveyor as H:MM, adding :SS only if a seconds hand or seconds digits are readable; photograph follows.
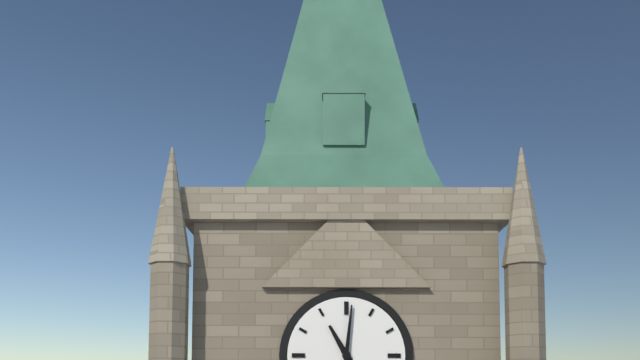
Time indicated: 11:01
